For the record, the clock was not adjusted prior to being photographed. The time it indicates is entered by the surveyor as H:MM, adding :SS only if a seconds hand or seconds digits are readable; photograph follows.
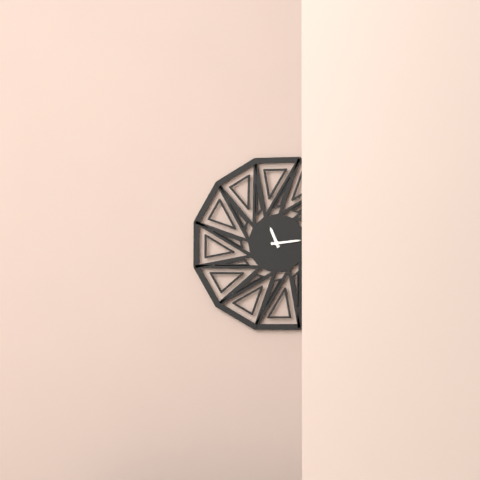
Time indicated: 11:14
